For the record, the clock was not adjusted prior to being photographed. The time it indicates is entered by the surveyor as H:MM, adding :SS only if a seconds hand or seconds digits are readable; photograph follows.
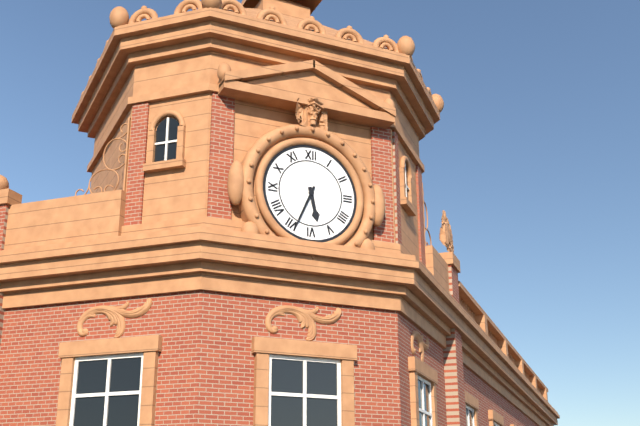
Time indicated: 5:34
